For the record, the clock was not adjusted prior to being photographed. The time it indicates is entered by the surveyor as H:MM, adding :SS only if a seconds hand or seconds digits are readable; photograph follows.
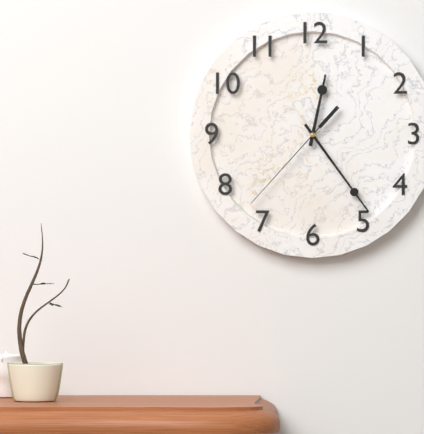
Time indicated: 12:24:37
